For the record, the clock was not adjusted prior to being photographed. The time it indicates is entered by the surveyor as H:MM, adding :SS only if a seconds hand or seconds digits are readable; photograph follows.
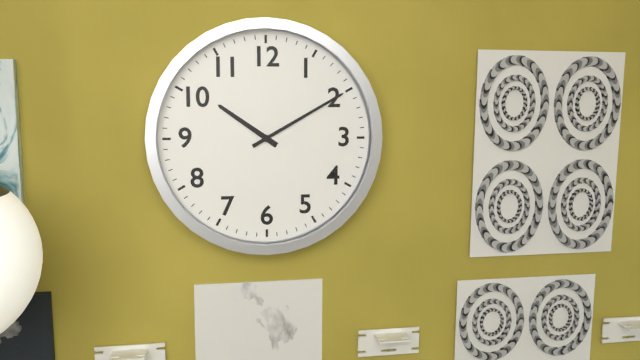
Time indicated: 10:10
